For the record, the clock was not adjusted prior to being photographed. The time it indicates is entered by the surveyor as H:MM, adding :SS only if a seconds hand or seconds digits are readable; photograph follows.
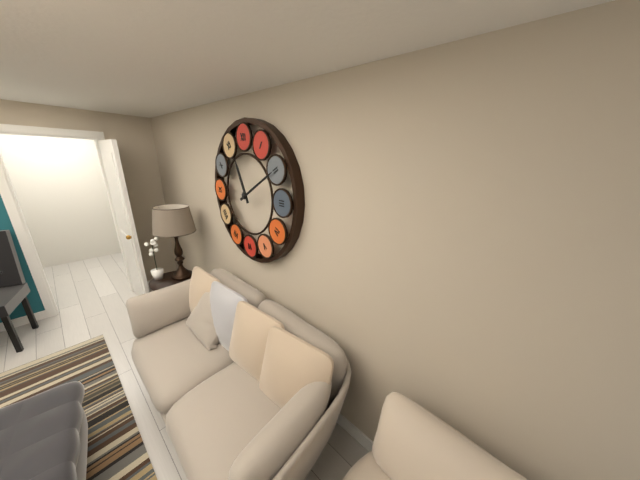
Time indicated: 11:10
